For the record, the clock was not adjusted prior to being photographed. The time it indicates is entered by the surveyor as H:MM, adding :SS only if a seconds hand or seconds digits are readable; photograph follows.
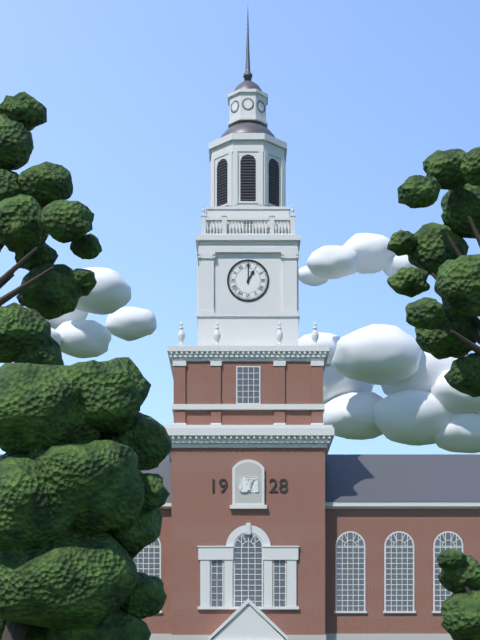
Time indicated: 1:00
